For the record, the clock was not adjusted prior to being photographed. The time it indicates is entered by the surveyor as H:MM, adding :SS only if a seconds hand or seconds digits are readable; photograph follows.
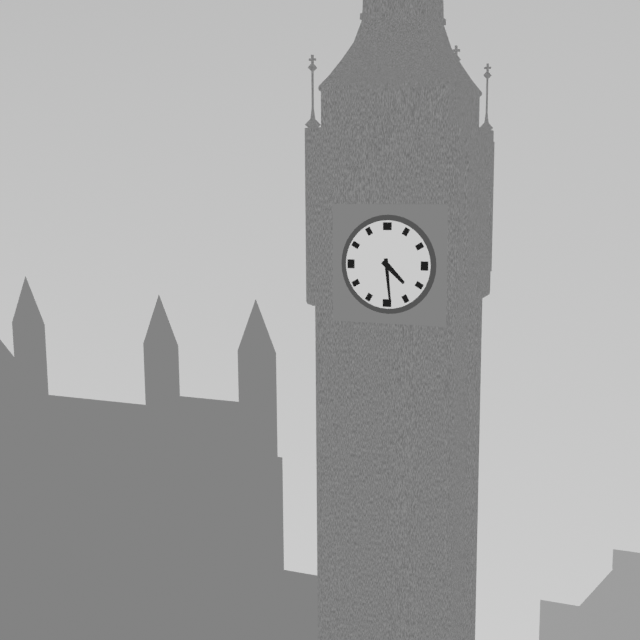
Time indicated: 4:29
